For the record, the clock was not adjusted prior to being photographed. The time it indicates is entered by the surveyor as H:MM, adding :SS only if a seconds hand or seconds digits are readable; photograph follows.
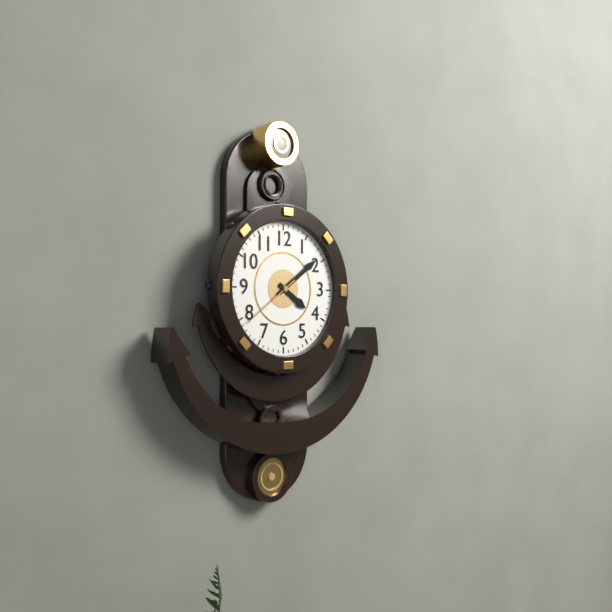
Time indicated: 4:09:39
